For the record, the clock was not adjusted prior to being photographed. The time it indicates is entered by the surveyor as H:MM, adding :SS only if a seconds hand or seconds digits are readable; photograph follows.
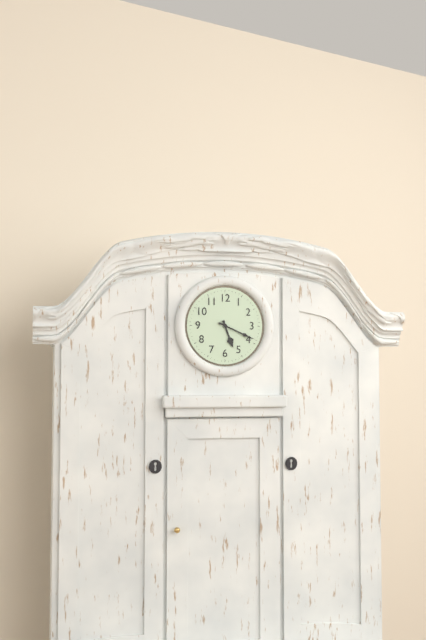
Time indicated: 5:19
